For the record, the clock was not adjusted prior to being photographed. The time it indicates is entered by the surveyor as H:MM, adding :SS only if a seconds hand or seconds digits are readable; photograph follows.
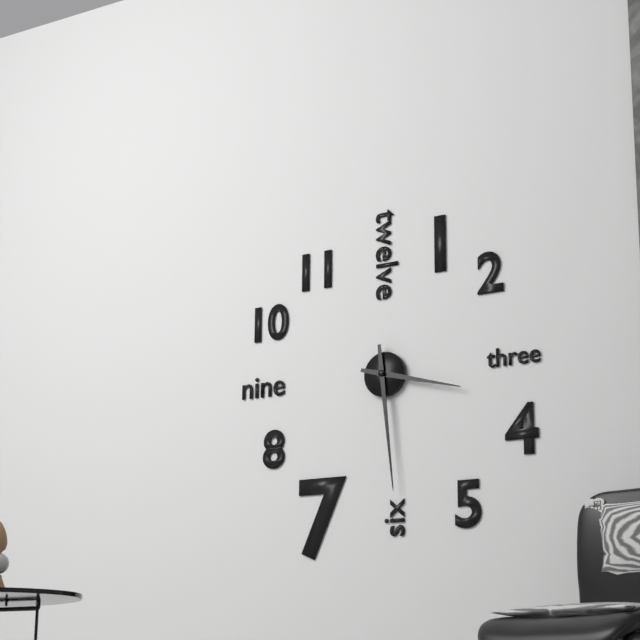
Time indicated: 3:29
